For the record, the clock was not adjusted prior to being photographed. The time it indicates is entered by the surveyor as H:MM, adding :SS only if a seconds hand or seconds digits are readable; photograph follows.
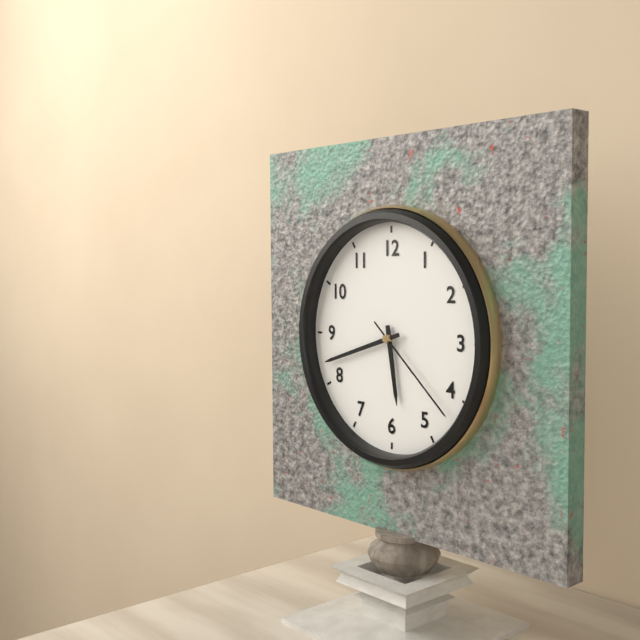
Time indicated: 5:42:22
